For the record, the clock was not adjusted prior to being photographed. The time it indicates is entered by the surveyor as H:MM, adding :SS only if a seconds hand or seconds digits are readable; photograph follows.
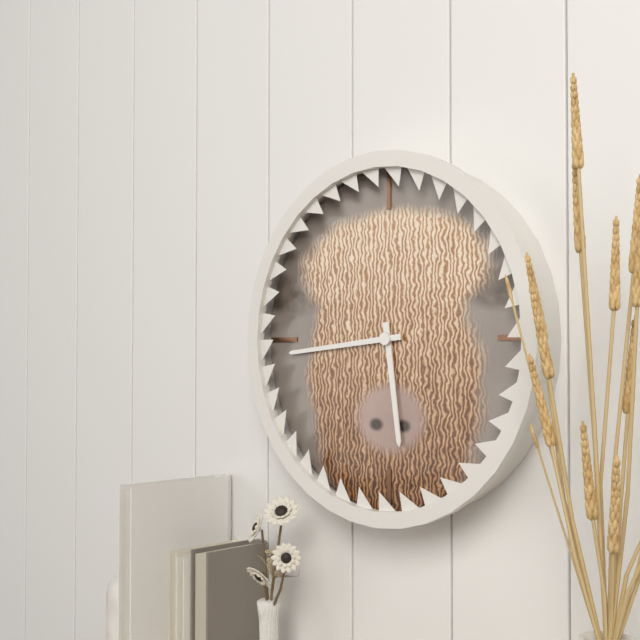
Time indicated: 5:44
